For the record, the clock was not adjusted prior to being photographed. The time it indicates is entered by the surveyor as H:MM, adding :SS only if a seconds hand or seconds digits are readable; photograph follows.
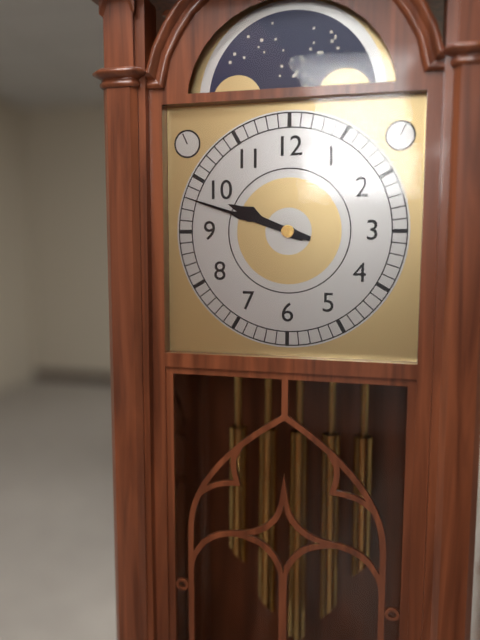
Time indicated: 9:48
